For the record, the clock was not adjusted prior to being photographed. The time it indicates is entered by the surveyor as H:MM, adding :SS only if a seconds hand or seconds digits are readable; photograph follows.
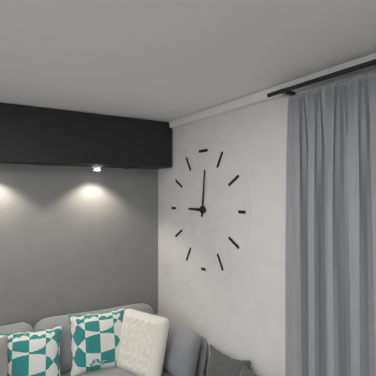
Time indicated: 9:01
